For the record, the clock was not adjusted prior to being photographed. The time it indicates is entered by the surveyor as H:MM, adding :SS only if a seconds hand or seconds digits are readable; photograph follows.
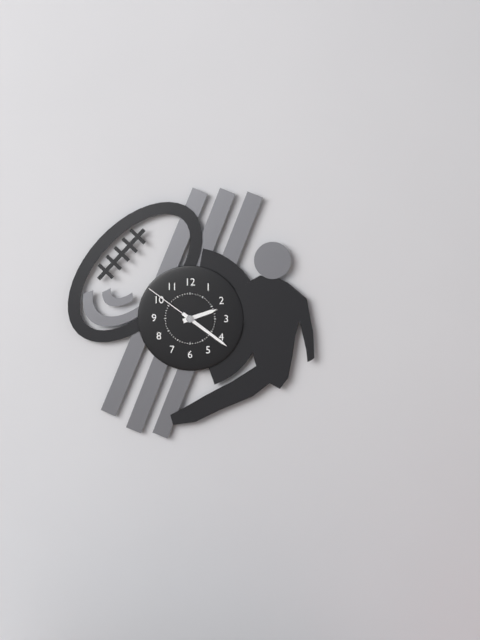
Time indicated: 2:21:51
